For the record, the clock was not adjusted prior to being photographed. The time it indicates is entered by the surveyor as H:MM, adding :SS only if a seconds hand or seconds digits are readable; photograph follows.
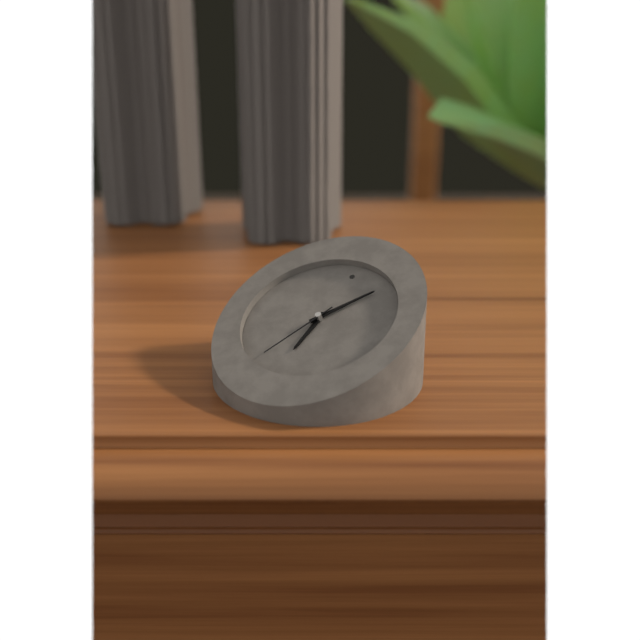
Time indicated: 6:06:34
